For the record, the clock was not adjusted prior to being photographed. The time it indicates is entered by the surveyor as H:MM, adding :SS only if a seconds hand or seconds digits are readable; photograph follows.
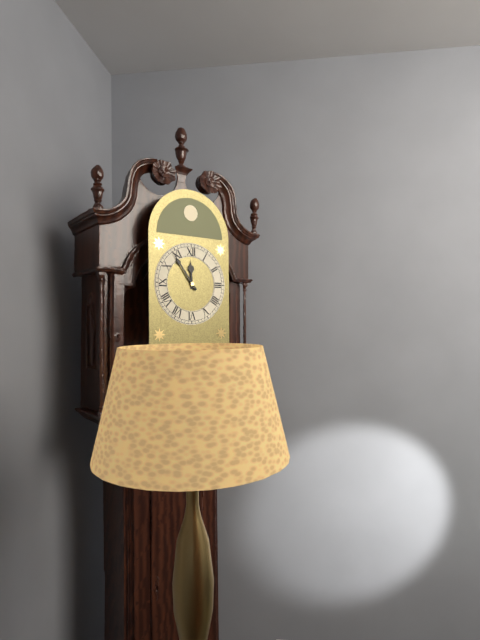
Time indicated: 11:54
